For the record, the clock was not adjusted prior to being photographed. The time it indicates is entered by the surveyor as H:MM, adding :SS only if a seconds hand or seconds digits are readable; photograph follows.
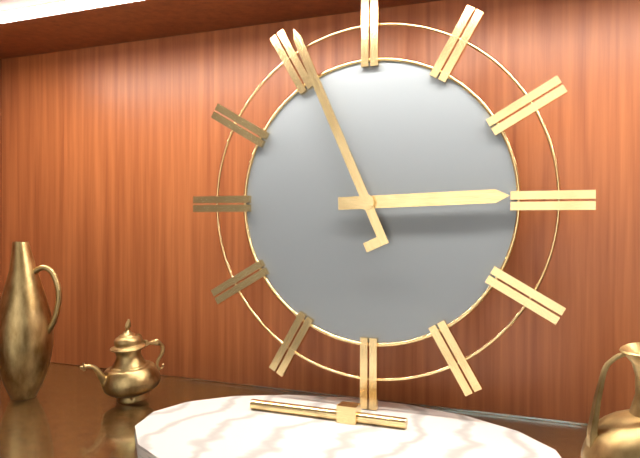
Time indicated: 2:56
